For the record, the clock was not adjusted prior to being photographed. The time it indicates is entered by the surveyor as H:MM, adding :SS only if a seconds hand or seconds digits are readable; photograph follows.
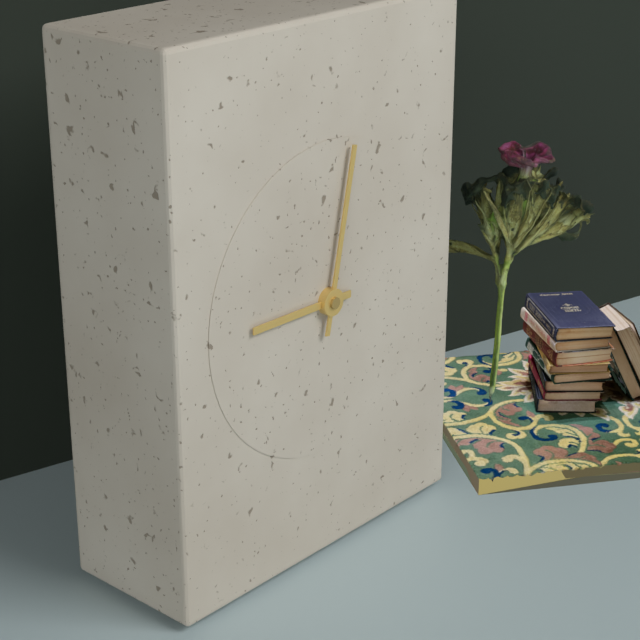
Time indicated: 9:02
